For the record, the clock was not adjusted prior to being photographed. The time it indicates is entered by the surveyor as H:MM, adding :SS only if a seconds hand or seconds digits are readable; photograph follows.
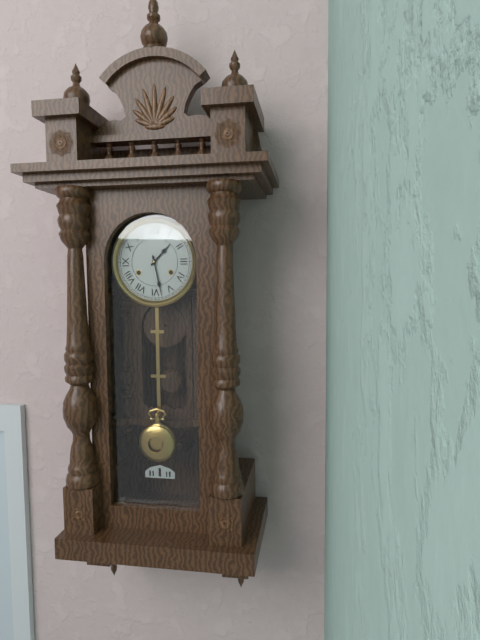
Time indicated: 1:28
